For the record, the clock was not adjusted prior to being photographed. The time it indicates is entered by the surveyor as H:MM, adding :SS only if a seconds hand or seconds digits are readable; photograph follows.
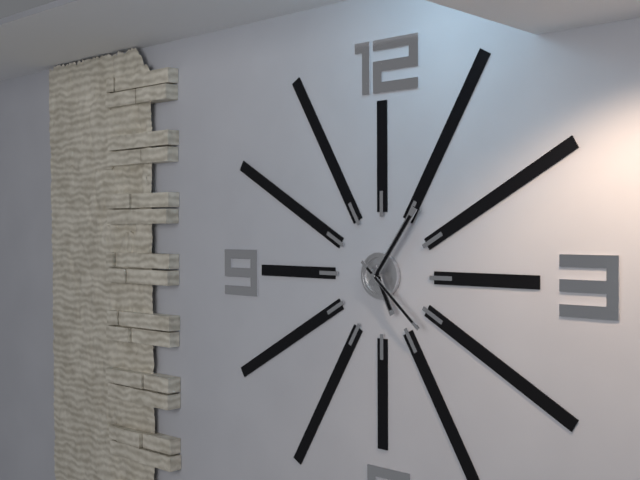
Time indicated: 5:06:22
